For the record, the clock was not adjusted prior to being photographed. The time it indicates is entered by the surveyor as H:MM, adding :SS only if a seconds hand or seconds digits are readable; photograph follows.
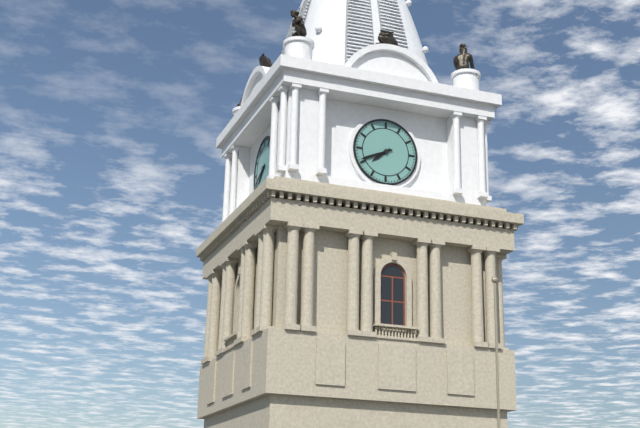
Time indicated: 7:41
